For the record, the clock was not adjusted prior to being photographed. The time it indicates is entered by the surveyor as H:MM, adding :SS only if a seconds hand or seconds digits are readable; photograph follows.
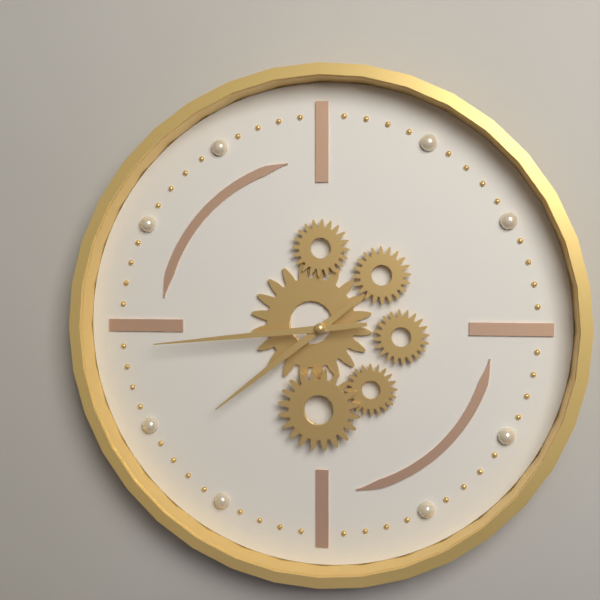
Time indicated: 7:44
